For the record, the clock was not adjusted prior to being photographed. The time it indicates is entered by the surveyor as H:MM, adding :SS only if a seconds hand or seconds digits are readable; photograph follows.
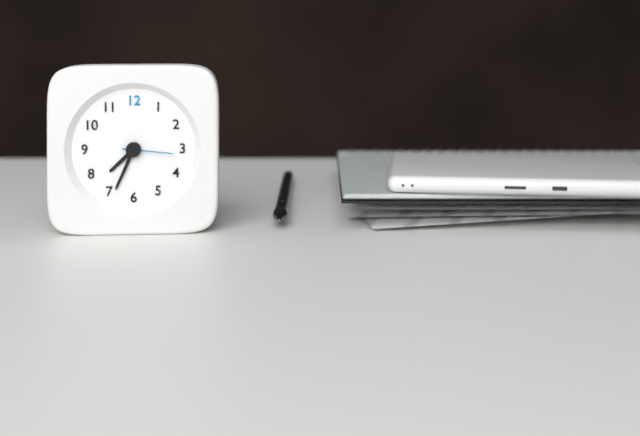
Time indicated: 7:34:16
